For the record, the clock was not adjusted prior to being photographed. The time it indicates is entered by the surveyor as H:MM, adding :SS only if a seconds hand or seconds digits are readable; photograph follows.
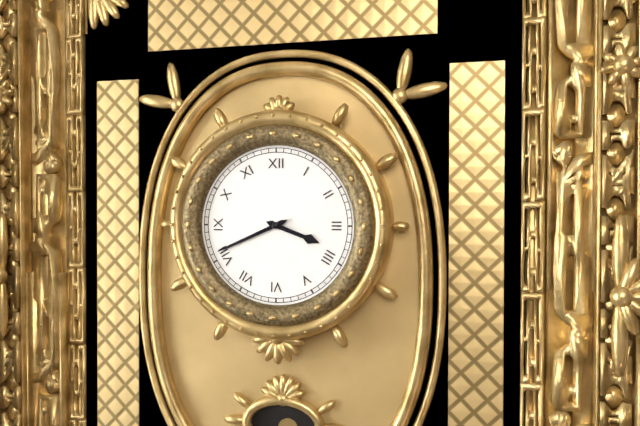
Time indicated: 3:41
